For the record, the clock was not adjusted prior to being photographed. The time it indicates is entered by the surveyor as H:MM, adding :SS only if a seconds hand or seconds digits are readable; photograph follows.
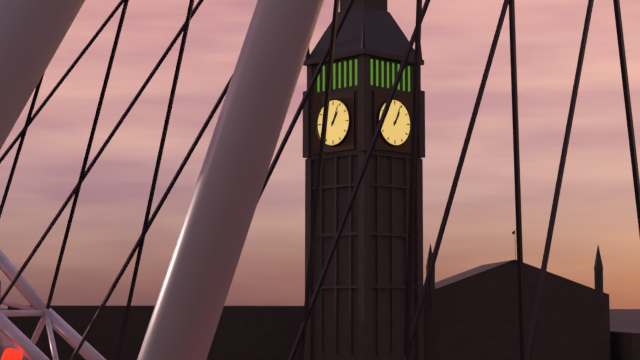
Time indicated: 1:04
